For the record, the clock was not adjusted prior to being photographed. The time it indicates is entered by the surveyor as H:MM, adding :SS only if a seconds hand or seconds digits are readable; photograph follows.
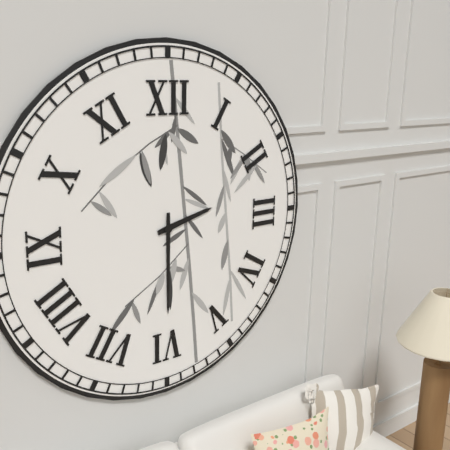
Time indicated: 2:30
